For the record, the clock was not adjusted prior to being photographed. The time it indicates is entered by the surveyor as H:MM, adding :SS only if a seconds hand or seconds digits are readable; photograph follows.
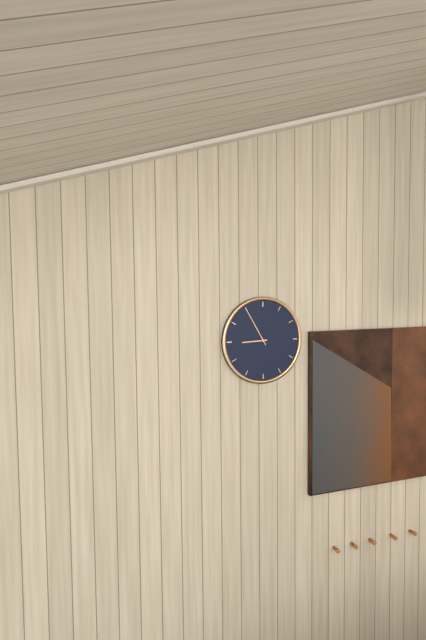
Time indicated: 8:55
